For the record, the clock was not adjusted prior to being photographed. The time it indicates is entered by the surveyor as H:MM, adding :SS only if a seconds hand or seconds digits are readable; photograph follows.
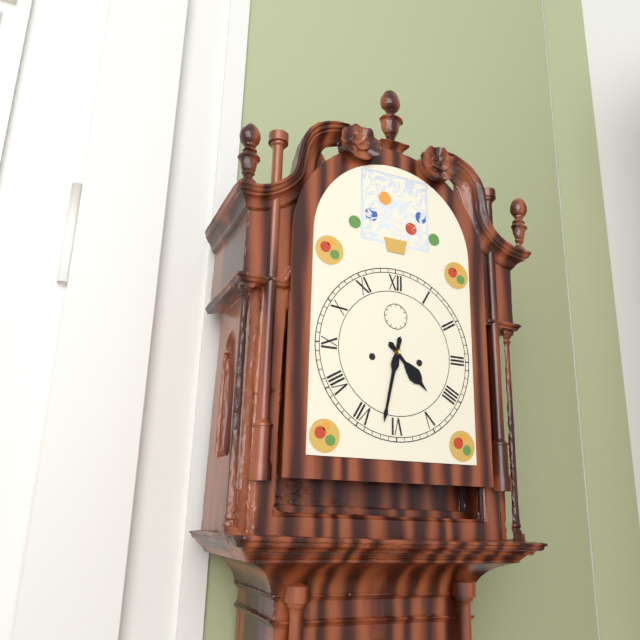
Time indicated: 4:32
